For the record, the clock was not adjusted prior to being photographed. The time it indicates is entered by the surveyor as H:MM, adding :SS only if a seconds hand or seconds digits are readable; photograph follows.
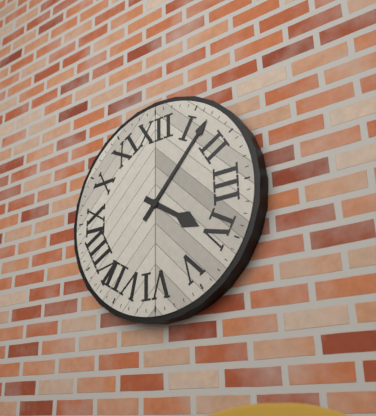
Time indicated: 4:07
